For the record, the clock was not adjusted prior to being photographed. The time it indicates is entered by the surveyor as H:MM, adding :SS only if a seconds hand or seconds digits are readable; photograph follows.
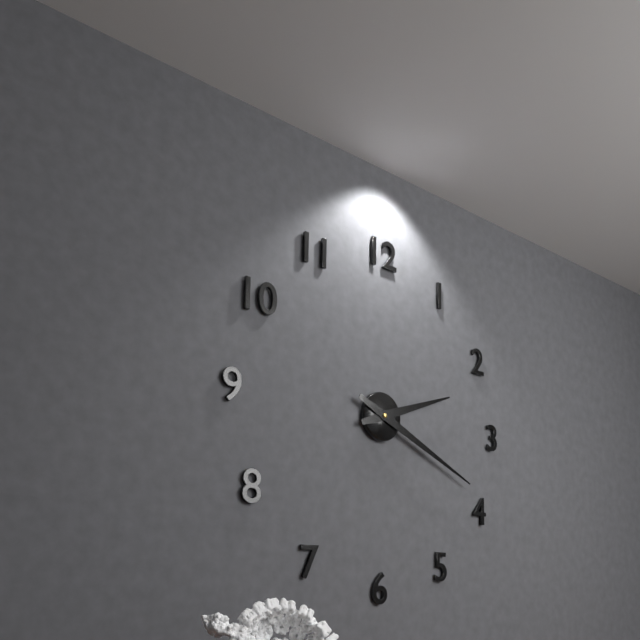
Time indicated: 2:19
